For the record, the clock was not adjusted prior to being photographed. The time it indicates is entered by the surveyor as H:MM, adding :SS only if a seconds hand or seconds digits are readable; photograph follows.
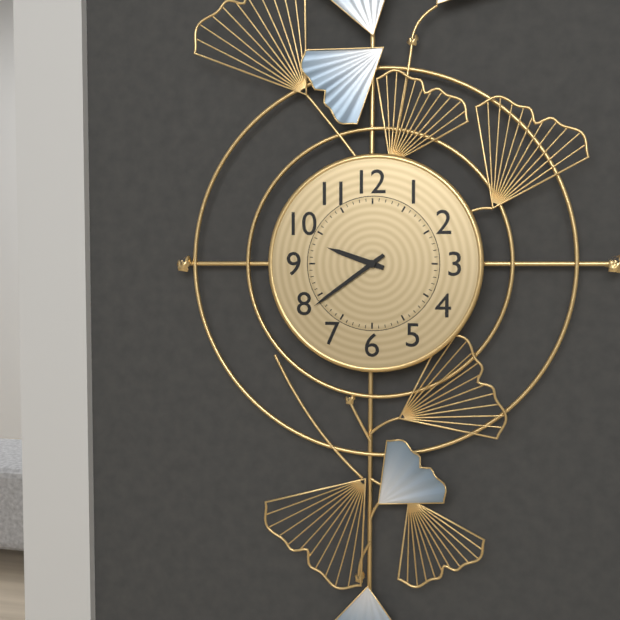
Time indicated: 9:39
